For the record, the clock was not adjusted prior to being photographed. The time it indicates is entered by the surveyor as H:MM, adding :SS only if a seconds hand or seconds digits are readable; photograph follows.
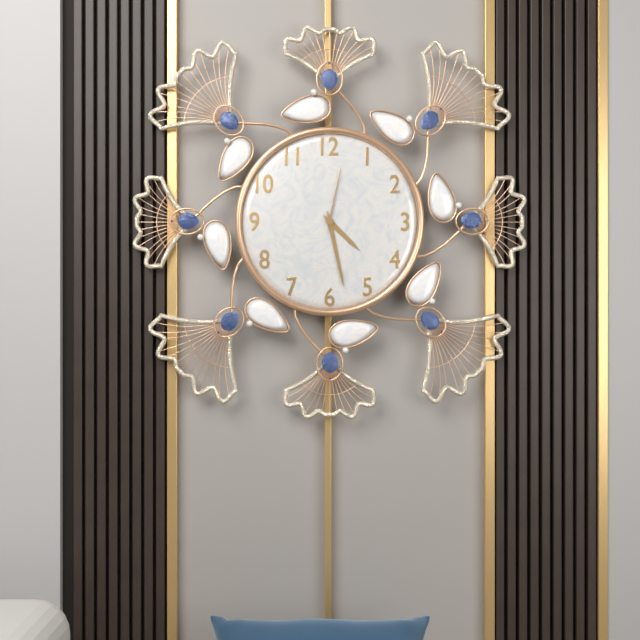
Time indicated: 4:28:02
